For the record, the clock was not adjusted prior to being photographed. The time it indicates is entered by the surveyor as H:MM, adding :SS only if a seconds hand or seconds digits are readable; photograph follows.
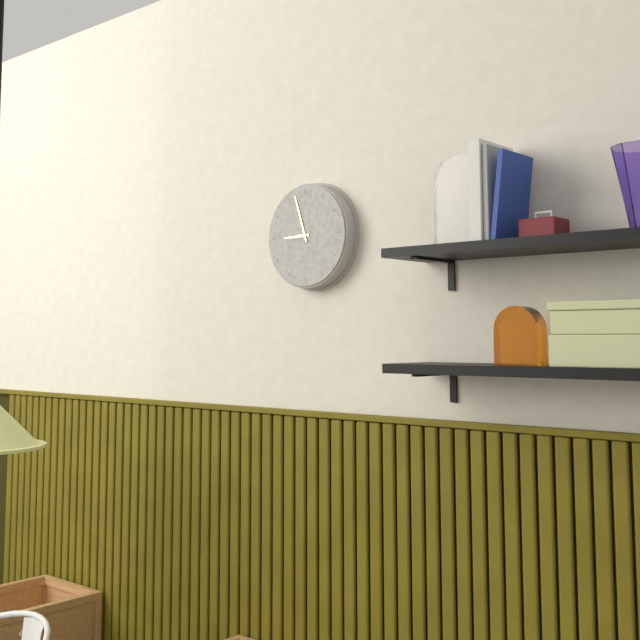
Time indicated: 8:57
